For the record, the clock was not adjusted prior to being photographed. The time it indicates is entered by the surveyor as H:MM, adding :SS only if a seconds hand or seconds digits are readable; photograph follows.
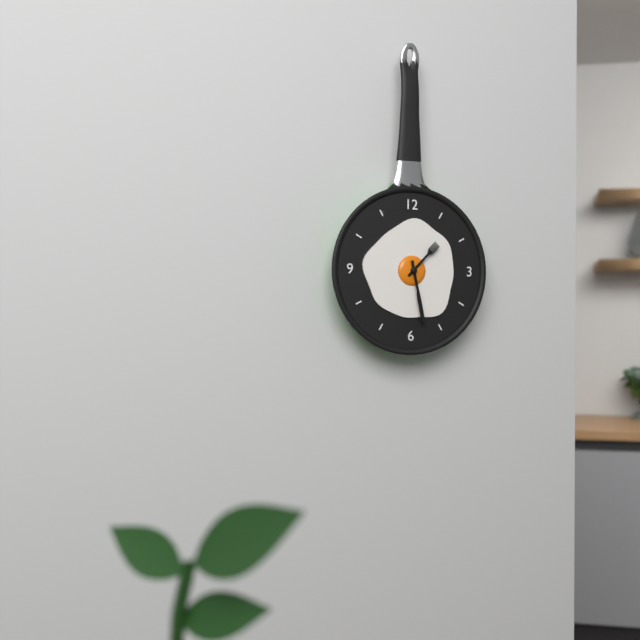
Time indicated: 1:28
